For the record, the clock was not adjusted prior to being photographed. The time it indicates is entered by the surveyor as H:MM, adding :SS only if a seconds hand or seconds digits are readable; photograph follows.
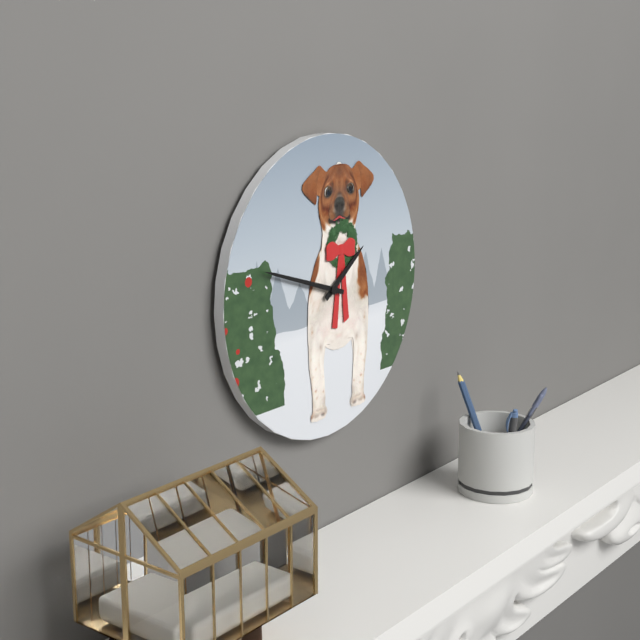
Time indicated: 1:48
